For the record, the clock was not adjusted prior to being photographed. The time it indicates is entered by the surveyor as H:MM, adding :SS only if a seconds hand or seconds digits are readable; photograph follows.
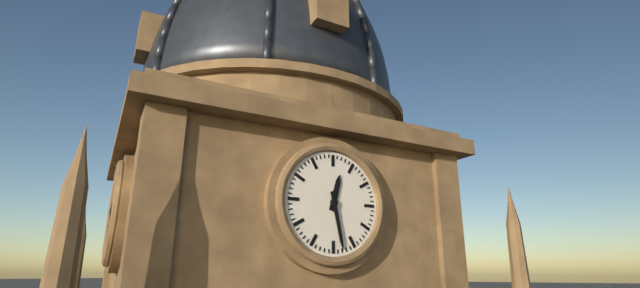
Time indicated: 12:28
